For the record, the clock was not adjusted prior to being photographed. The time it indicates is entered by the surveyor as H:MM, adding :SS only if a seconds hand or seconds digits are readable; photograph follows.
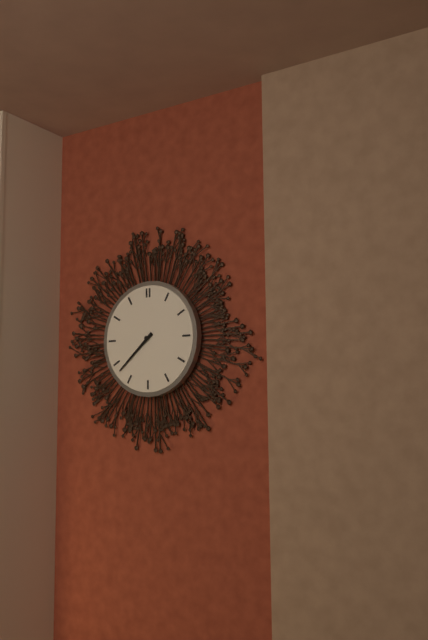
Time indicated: 7:38
